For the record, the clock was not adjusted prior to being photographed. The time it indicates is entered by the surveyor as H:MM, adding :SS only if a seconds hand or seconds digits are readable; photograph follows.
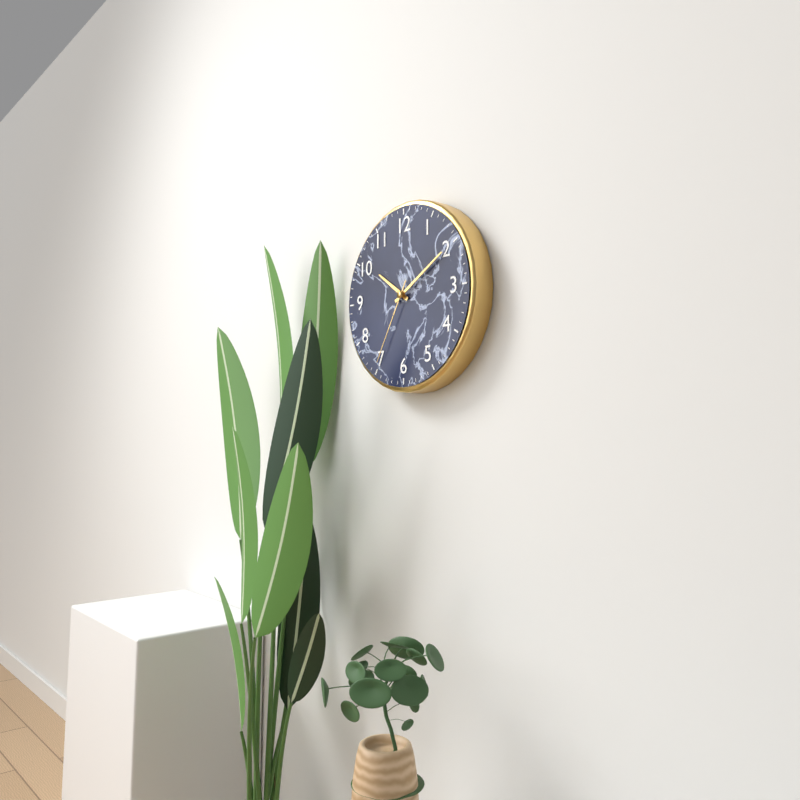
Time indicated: 10:10:35
